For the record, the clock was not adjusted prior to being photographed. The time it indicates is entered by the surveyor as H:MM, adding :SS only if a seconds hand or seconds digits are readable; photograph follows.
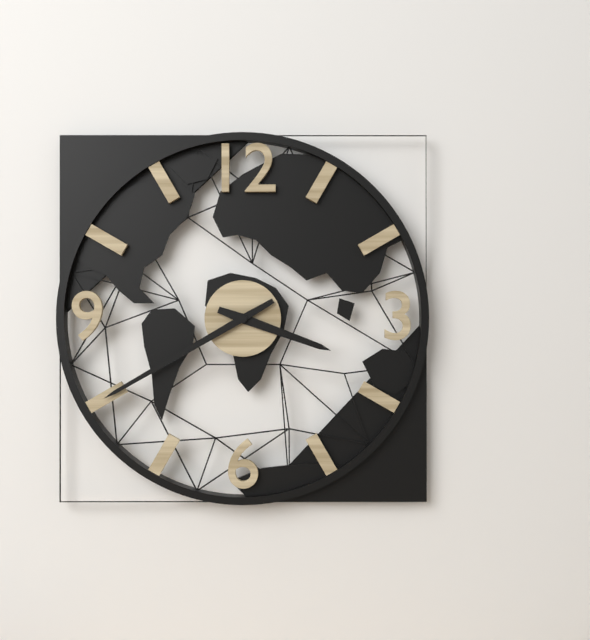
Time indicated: 3:40
